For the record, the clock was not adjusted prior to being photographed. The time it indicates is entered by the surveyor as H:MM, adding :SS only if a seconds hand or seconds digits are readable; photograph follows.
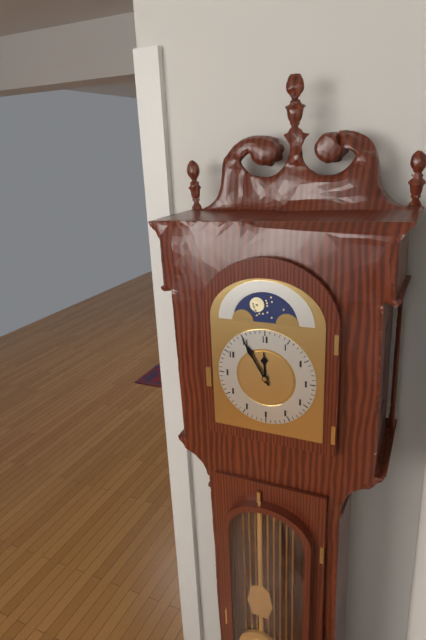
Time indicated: 11:55
